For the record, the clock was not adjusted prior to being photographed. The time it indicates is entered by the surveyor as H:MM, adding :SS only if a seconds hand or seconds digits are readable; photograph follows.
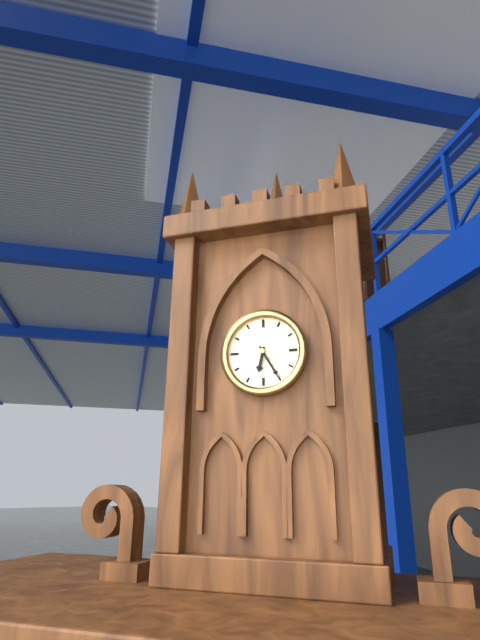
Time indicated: 6:25
